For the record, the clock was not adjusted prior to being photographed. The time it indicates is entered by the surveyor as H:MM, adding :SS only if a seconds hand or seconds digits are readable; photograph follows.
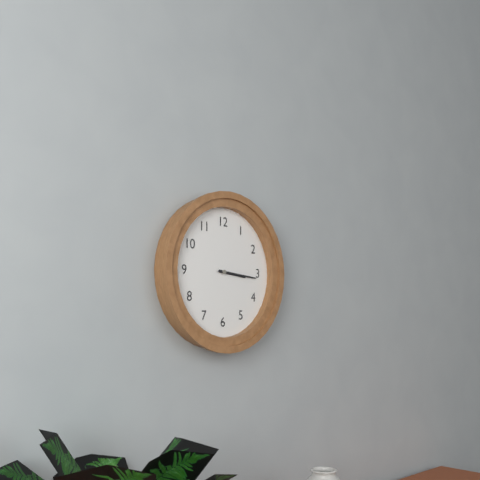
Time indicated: 3:16
